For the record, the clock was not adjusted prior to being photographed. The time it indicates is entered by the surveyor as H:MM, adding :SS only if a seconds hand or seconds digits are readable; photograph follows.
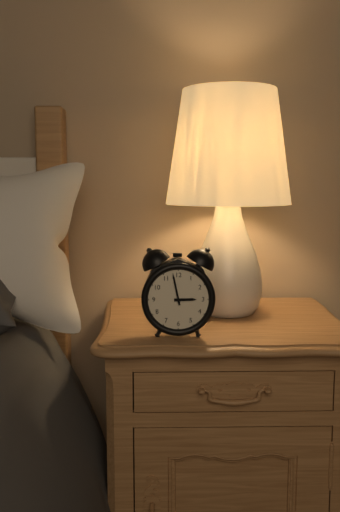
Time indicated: 2:58
